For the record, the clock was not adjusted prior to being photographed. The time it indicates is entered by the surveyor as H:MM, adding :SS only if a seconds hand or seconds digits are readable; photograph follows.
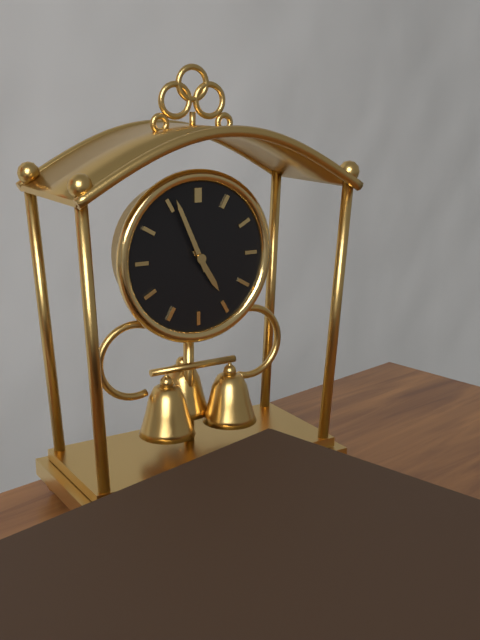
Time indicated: 4:56
